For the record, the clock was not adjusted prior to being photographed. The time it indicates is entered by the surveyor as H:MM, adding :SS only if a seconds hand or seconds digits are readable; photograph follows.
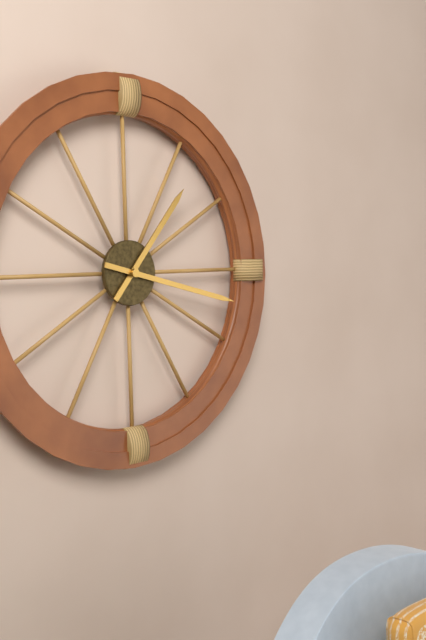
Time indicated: 1:17
